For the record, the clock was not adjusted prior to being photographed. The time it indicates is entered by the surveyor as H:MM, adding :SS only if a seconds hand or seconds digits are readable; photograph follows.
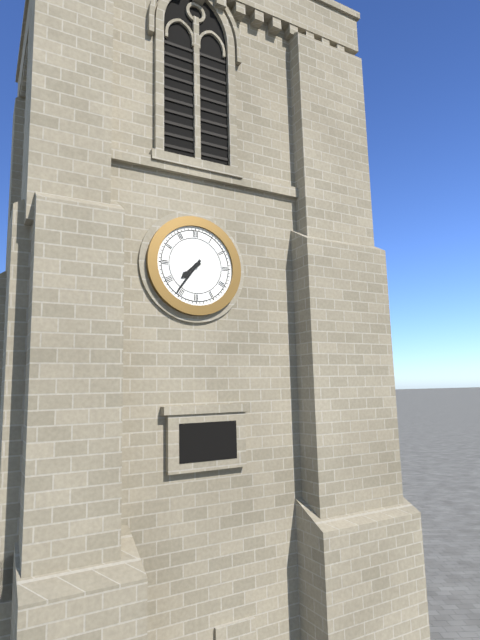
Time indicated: 7:36
